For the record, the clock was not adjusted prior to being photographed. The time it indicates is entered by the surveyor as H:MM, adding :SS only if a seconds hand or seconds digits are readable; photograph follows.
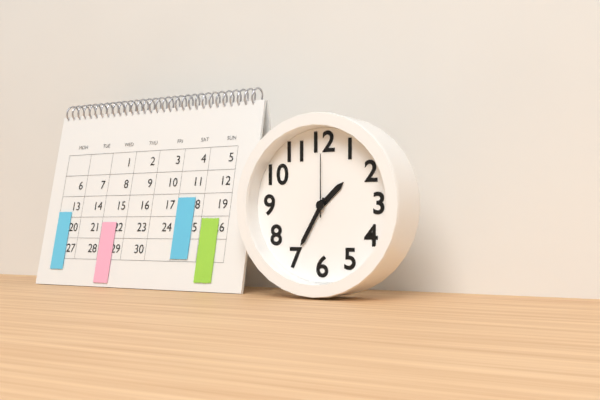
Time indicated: 1:35:00
